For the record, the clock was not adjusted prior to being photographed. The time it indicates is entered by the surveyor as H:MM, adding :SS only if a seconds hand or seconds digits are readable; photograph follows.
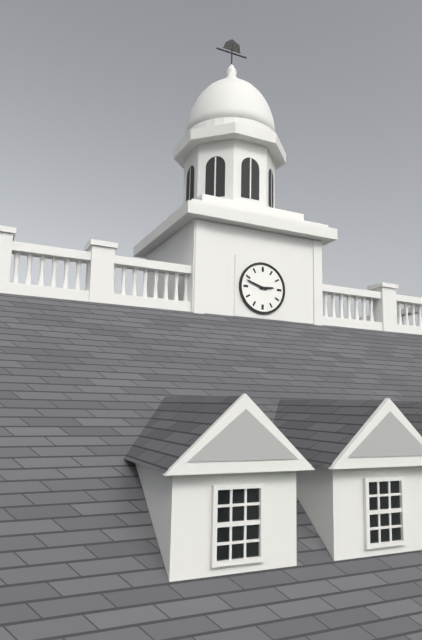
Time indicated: 2:48
